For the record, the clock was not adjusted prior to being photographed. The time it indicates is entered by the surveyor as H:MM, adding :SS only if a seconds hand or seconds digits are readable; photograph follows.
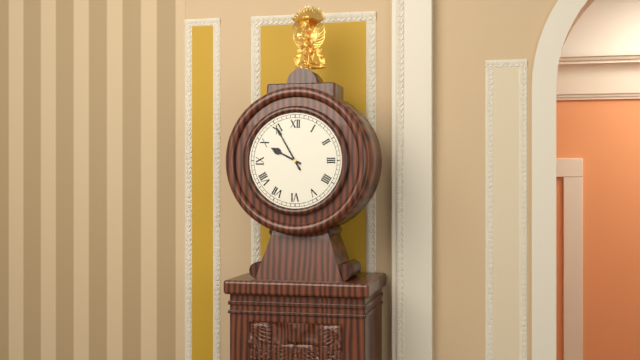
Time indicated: 9:55
